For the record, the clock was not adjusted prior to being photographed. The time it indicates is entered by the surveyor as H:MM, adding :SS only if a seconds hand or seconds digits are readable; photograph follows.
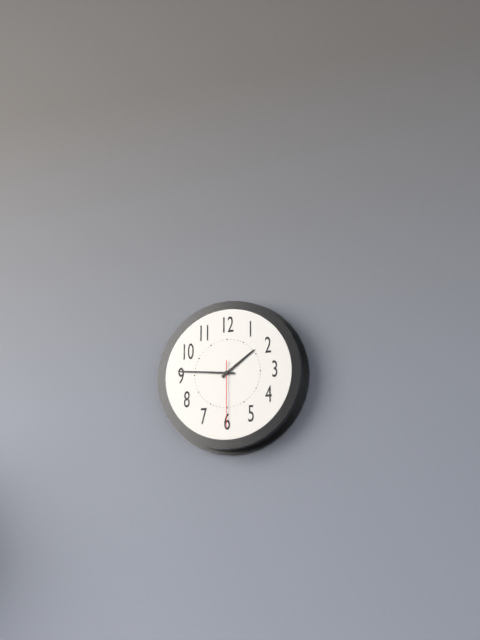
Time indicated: 1:46:30
